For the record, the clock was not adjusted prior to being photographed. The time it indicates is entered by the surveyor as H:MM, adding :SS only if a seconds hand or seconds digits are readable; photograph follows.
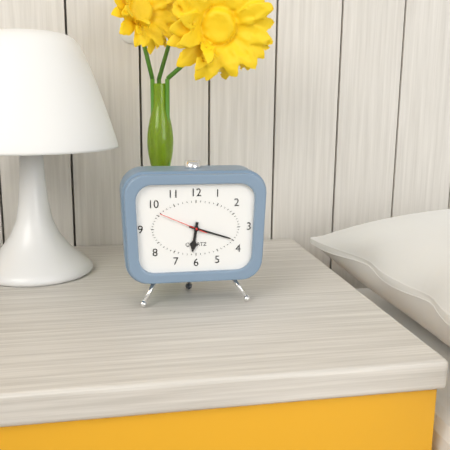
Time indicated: 6:18
